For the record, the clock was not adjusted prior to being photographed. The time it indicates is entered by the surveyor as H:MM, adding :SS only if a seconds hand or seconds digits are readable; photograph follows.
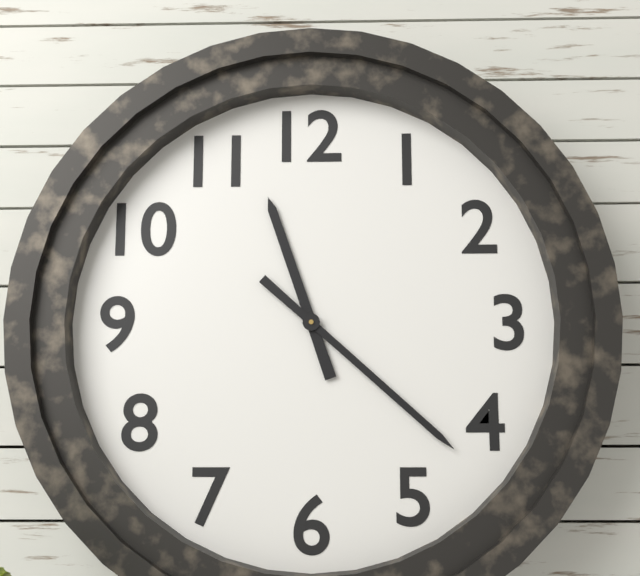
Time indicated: 11:22
